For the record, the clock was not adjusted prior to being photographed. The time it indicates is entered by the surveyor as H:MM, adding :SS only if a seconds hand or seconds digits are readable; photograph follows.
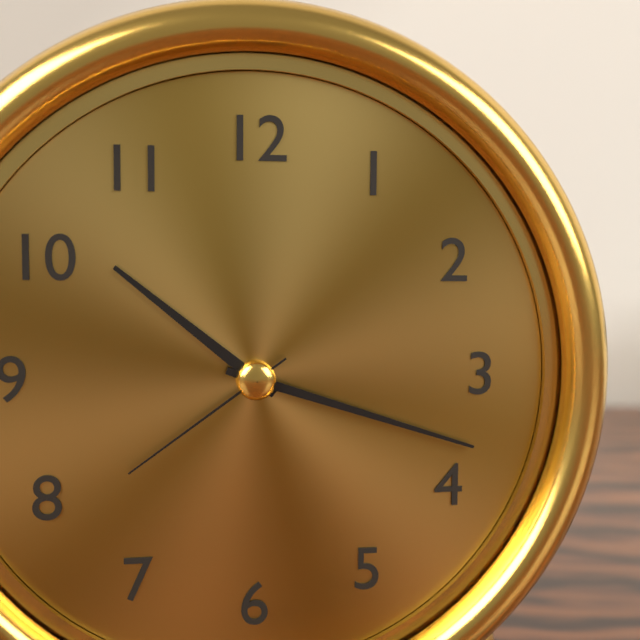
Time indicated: 10:18:39
